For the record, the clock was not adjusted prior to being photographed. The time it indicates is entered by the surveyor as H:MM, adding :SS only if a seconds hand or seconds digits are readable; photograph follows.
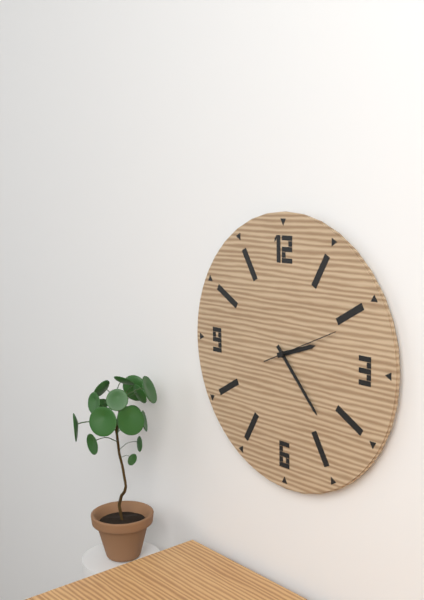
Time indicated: 2:23:11
